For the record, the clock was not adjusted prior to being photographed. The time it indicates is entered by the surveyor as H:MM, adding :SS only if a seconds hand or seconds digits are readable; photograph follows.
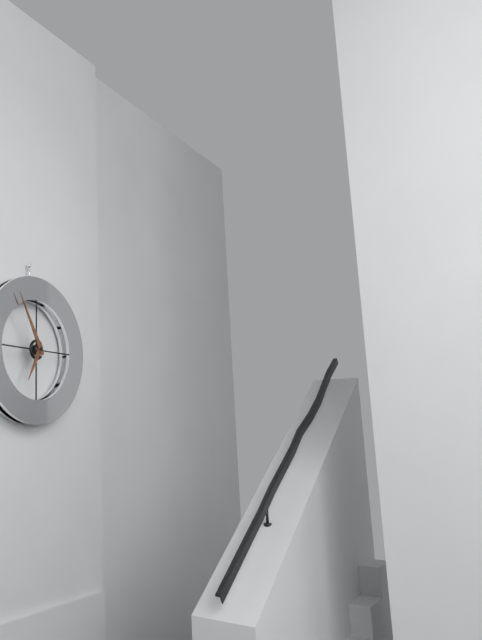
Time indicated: 6:55
